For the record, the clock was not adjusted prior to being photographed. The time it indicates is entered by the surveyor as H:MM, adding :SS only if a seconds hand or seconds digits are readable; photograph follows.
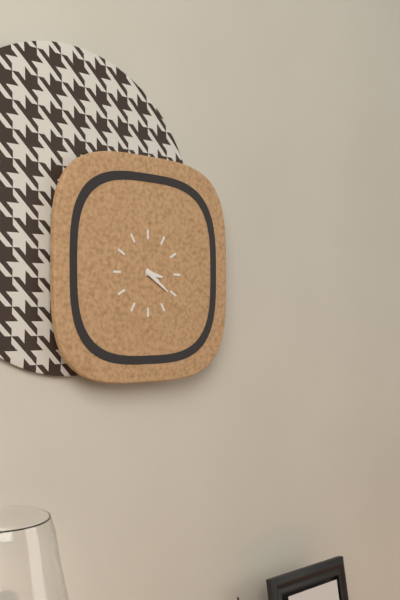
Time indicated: 3:21
